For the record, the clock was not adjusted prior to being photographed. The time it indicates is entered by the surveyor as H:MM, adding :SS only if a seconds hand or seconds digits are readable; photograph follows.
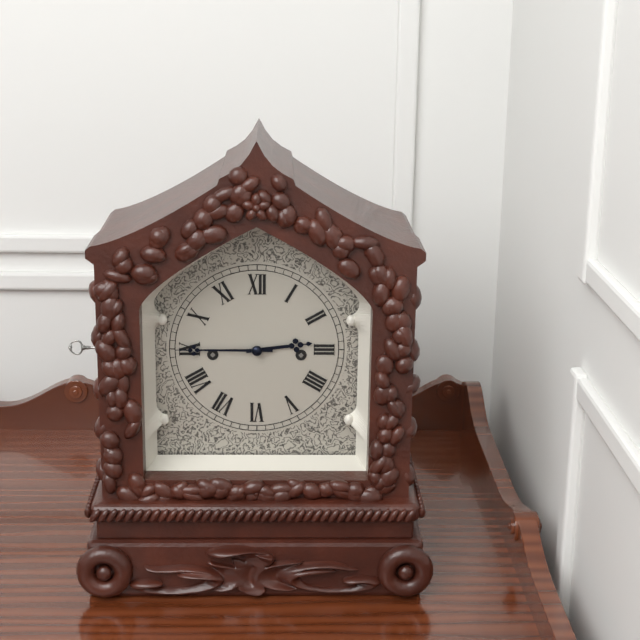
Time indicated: 2:45
